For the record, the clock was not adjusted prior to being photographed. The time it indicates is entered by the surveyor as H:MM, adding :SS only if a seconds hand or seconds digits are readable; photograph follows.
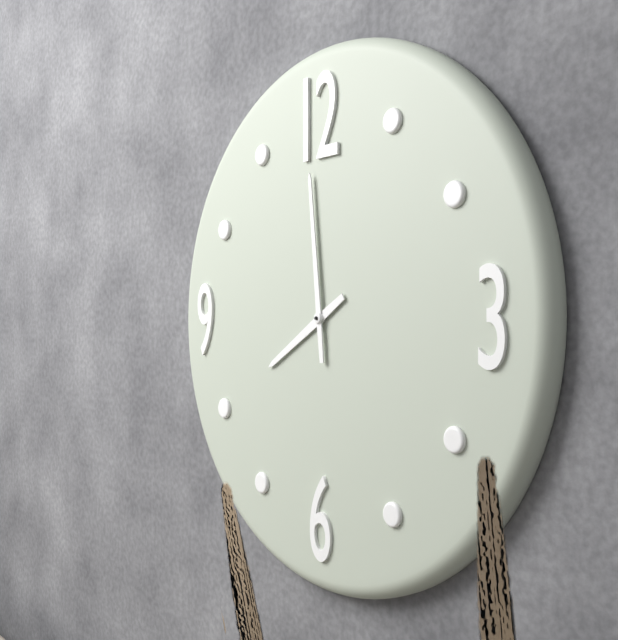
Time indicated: 7:59
